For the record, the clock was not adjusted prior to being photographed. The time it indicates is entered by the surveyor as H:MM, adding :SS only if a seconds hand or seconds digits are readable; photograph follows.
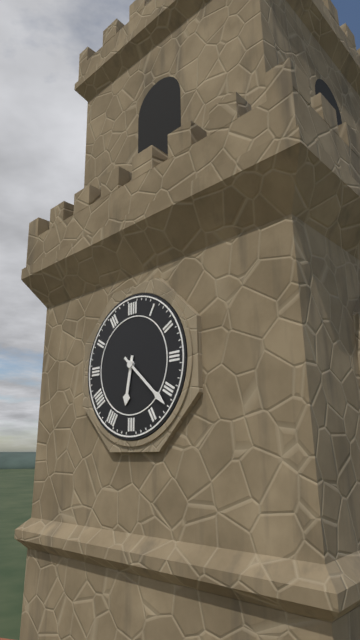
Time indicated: 6:22
